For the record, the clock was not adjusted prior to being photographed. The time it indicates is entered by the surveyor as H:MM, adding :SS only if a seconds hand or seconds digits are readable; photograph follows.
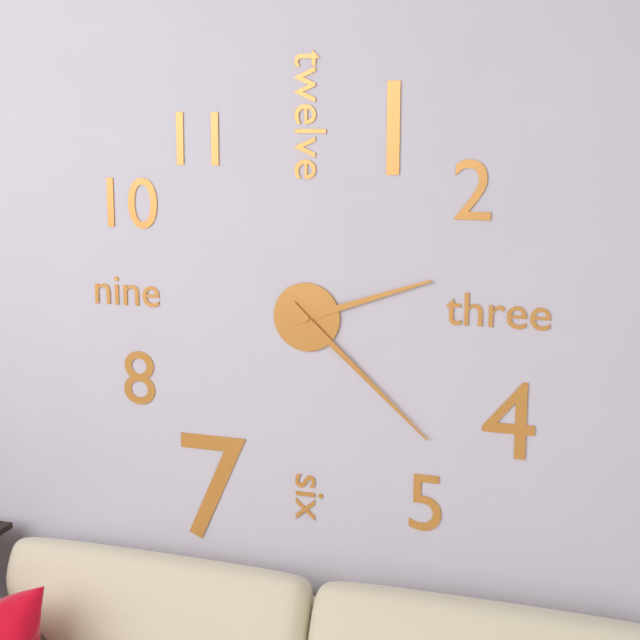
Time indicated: 2:22
